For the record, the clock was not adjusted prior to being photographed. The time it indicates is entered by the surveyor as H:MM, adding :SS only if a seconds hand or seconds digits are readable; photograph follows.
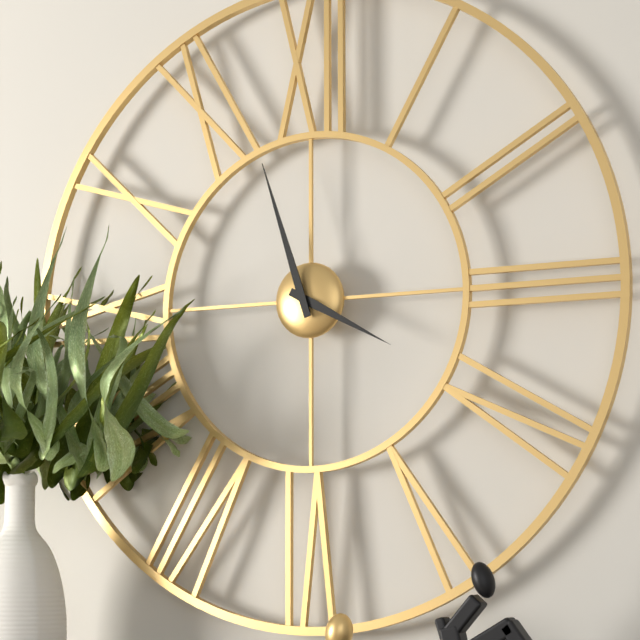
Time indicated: 3:57
